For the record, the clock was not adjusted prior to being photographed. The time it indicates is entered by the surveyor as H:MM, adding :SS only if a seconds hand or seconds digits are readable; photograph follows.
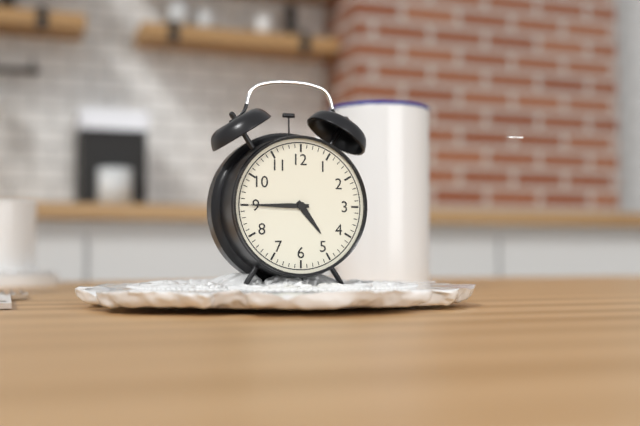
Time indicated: 4:45
